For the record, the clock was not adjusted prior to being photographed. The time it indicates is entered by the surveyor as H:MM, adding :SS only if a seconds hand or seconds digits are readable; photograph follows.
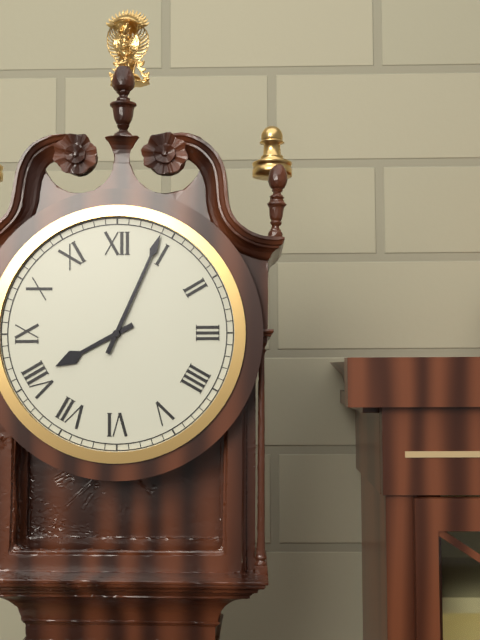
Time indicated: 8:04
